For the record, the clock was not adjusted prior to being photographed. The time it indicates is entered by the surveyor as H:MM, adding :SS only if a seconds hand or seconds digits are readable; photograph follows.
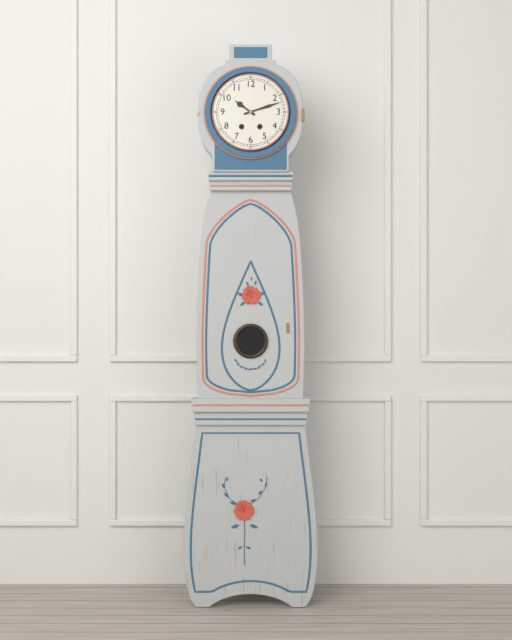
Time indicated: 10:12
